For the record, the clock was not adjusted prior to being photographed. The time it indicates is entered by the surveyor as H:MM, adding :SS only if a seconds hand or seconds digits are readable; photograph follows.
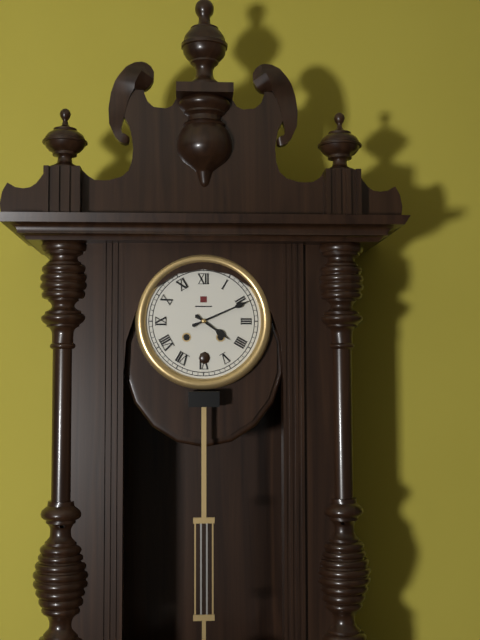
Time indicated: 4:11
